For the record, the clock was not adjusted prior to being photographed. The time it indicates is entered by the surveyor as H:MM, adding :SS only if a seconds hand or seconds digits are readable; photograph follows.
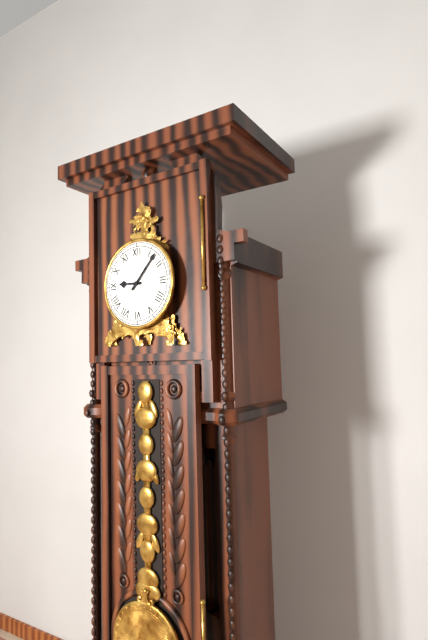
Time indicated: 9:07
